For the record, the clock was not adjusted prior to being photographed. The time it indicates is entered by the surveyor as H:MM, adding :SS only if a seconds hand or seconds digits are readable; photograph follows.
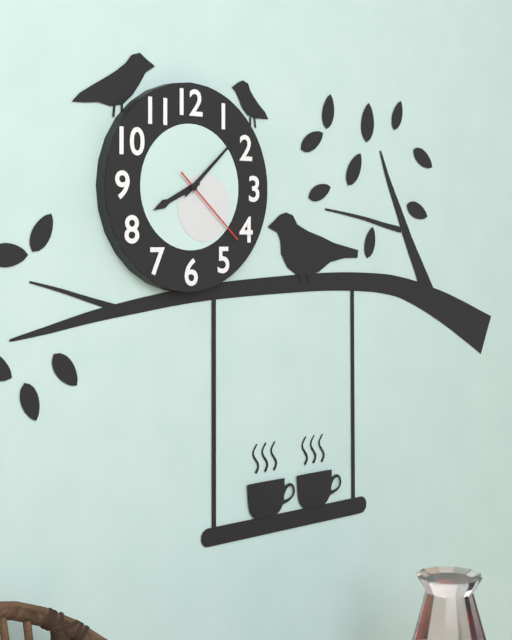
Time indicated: 8:08:22
